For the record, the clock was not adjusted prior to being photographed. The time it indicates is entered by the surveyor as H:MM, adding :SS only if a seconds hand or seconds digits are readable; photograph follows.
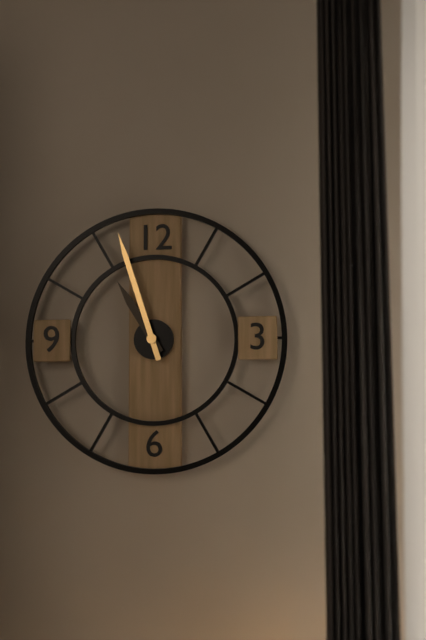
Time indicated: 10:57
